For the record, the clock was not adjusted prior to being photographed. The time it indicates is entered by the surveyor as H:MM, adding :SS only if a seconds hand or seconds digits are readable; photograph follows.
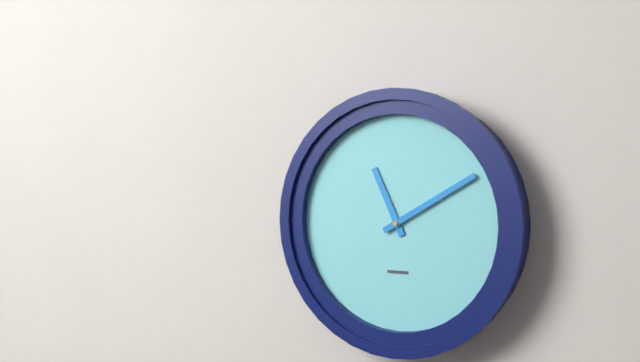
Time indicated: 11:10
